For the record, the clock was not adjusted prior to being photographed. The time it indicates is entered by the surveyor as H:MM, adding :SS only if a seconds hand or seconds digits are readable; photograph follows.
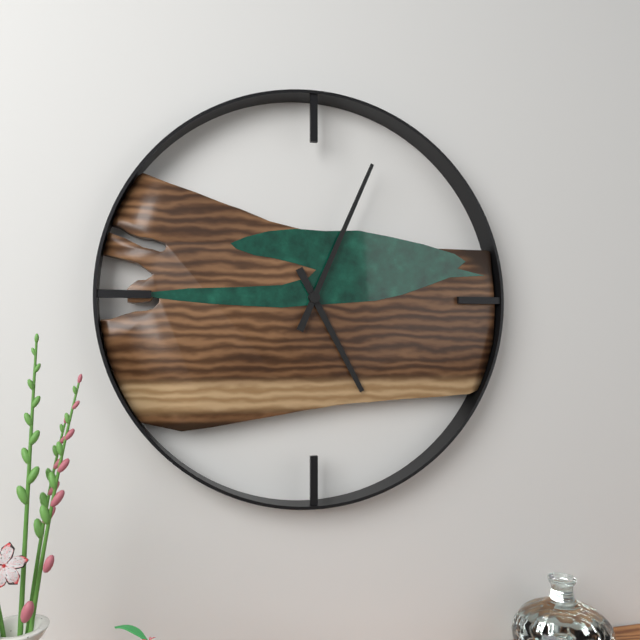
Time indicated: 5:04
